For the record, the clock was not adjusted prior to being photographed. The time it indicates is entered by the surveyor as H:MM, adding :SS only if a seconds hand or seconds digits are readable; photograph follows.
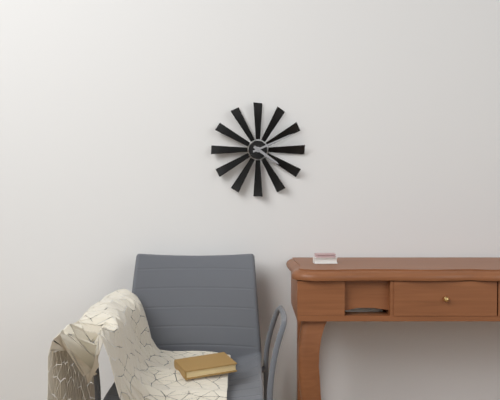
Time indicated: 4:11
